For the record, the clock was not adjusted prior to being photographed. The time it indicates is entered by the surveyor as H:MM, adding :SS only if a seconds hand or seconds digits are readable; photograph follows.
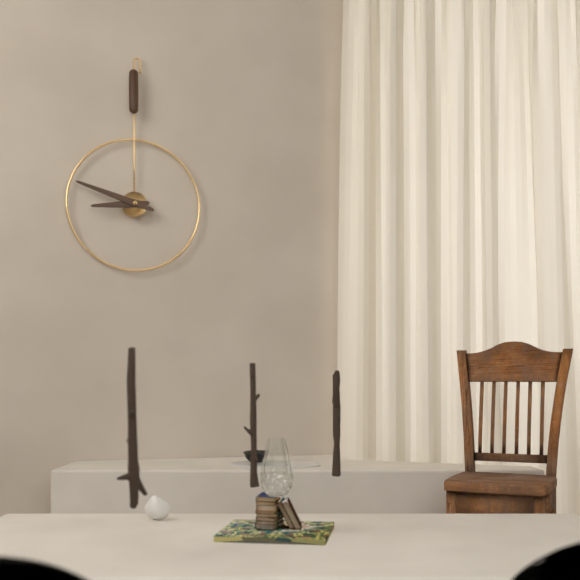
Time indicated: 8:48
